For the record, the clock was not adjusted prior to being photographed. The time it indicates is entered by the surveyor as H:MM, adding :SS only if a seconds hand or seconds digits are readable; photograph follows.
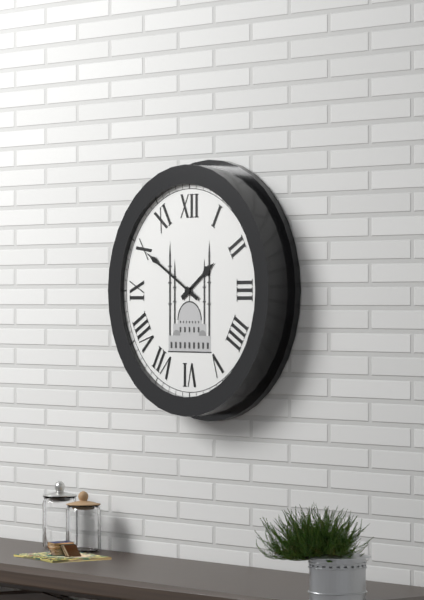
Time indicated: 1:50
